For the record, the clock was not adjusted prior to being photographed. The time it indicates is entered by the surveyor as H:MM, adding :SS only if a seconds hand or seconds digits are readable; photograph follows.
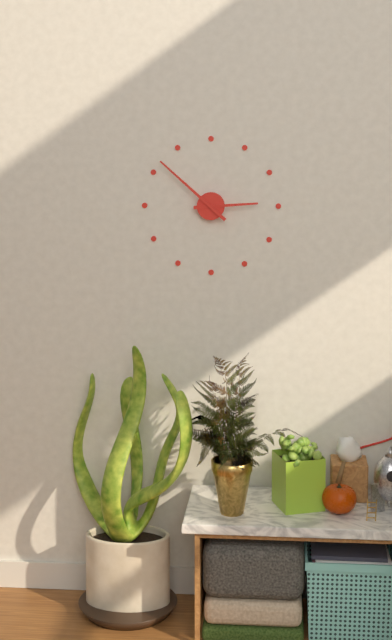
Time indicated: 2:52
